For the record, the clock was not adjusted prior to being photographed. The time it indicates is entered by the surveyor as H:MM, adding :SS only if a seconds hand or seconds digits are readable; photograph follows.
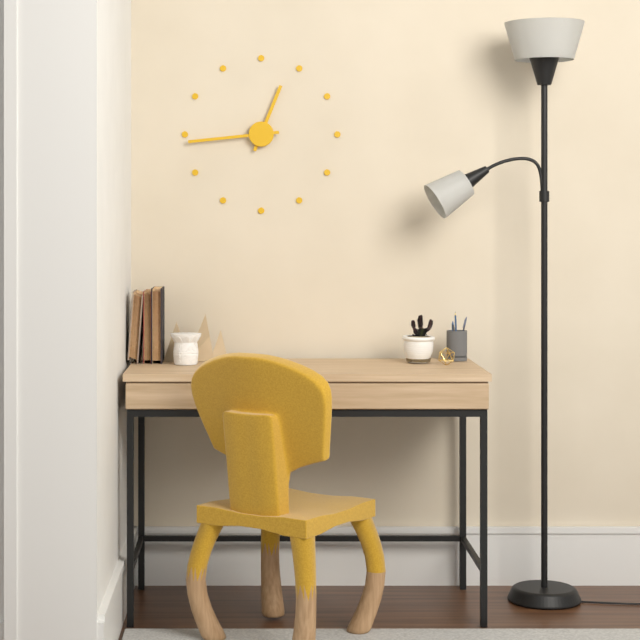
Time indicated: 12:44
